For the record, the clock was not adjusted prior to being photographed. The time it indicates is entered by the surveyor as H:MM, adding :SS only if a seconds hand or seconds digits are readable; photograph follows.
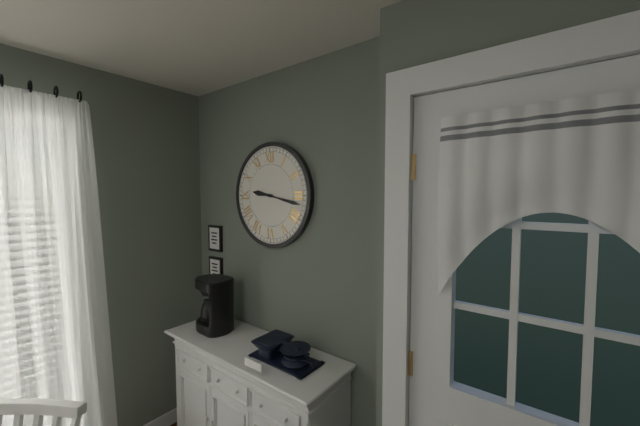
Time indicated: 9:17
